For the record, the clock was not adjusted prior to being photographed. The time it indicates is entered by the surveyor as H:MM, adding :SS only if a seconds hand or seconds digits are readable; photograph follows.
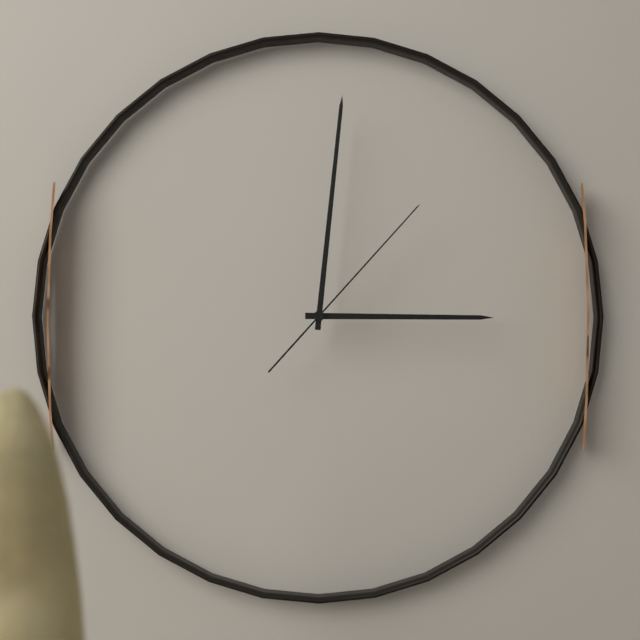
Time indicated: 3:01:07
